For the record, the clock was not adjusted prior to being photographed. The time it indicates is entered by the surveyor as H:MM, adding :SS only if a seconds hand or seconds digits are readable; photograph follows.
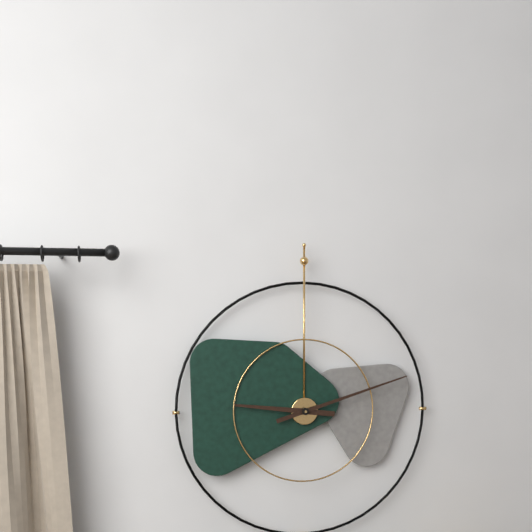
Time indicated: 9:12
